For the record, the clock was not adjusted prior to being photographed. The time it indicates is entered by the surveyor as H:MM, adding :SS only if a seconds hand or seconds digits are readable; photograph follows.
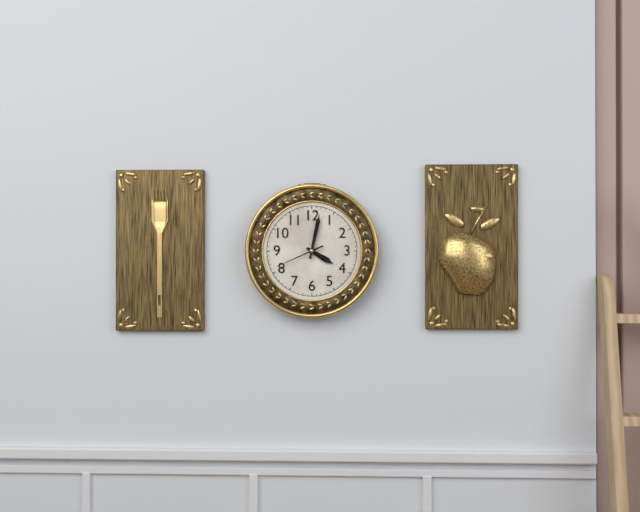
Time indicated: 4:02
